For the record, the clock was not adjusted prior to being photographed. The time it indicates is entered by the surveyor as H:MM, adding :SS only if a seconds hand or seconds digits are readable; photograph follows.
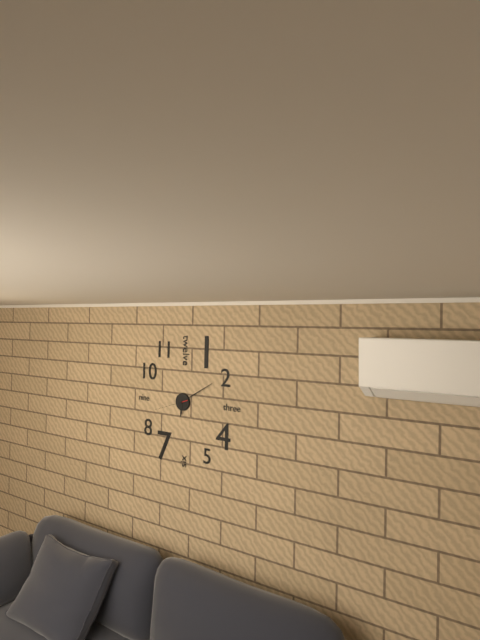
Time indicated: 6:10
